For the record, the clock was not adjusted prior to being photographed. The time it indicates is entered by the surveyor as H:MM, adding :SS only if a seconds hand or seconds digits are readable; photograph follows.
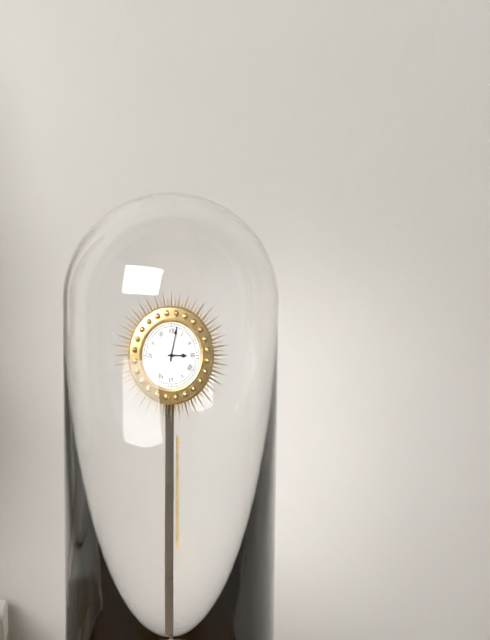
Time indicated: 3:02
